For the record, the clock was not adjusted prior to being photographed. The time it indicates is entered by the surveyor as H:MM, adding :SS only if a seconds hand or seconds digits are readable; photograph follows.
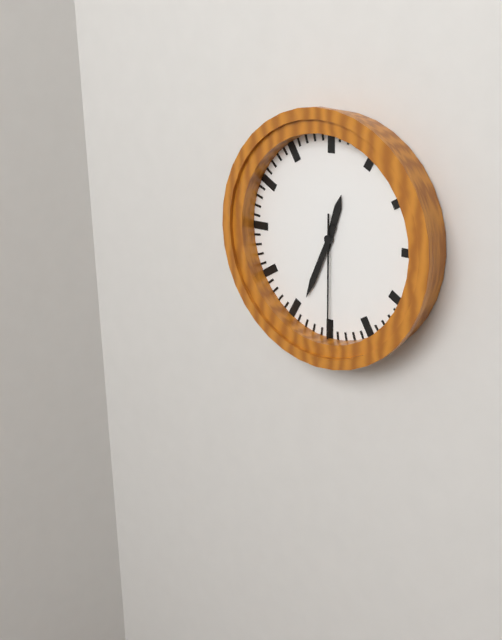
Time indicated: 12:34:30
